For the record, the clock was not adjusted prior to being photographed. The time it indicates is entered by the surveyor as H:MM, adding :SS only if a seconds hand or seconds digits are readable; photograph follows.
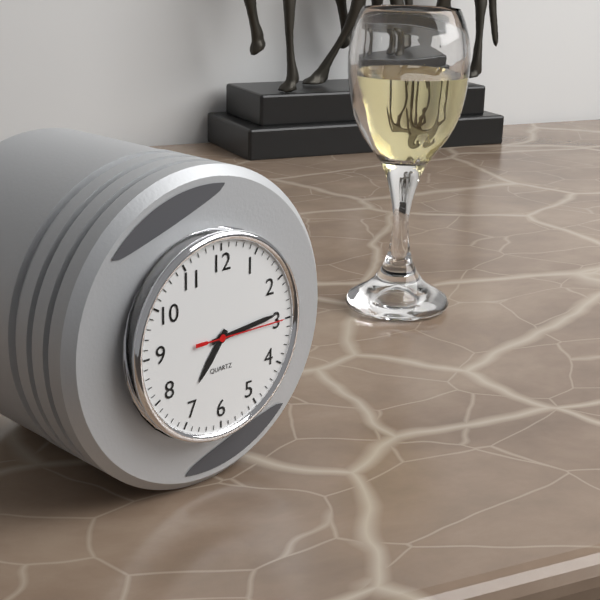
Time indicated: 7:14:15
